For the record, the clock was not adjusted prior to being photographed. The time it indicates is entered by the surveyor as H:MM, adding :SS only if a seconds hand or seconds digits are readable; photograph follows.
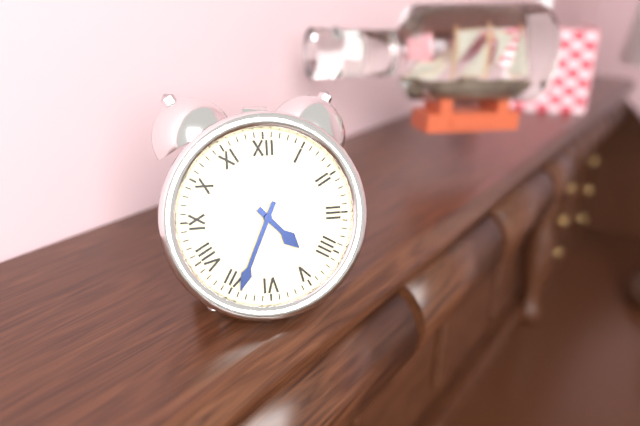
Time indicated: 4:34
